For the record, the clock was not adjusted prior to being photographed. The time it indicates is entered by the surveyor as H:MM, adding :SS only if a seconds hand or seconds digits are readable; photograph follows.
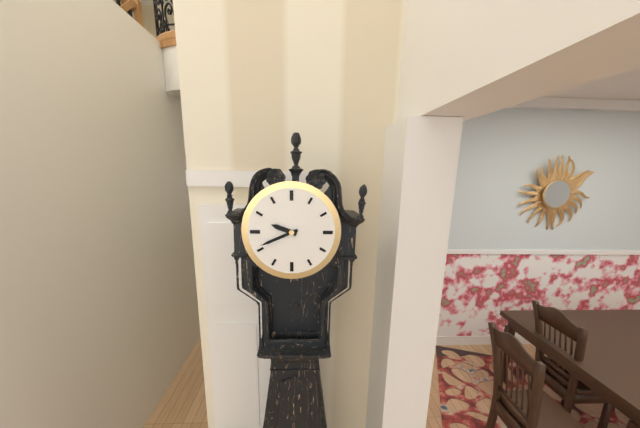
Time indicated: 9:41
